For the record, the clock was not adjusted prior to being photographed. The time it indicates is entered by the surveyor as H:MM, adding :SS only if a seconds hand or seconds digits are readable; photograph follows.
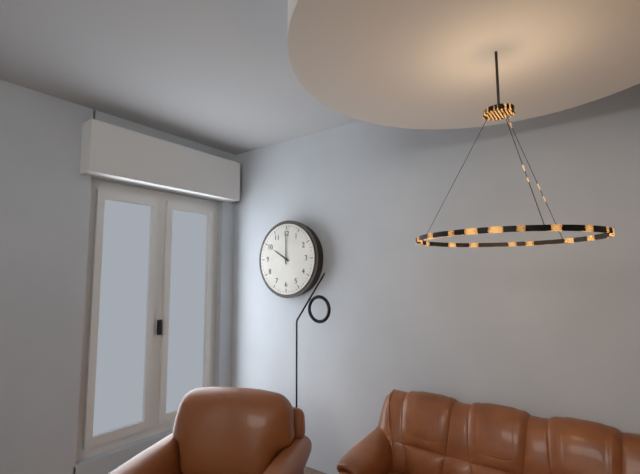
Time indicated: 10:00
